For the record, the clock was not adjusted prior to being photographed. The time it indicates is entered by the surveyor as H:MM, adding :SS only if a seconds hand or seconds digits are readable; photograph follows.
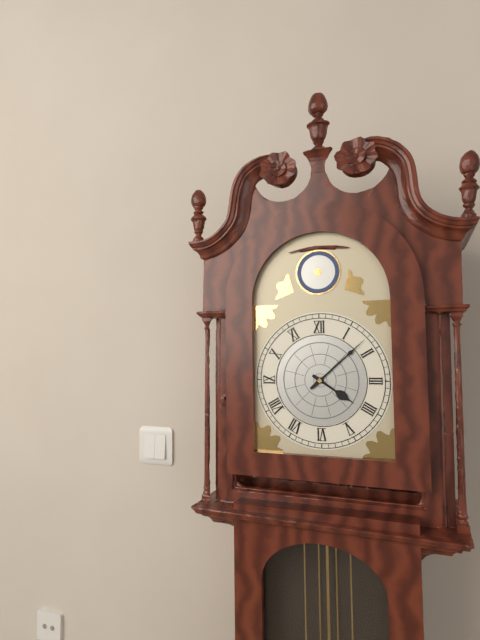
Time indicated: 4:08
